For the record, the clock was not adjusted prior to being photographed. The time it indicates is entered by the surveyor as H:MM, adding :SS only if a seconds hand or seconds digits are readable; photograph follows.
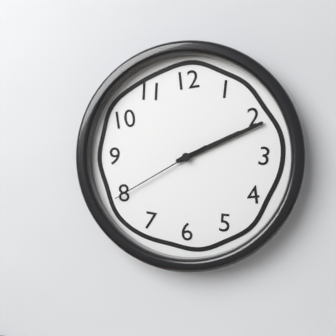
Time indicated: 2:11:40
